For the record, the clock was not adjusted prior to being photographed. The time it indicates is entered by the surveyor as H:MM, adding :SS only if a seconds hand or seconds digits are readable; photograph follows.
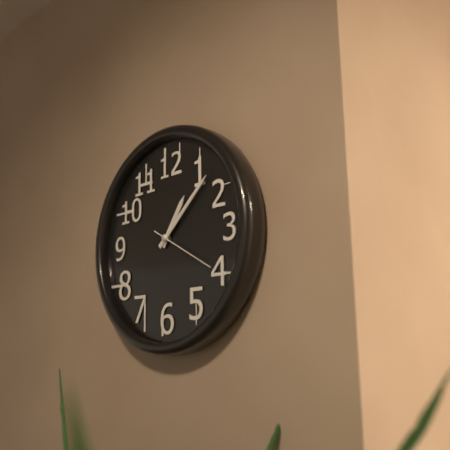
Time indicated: 1:08:20
